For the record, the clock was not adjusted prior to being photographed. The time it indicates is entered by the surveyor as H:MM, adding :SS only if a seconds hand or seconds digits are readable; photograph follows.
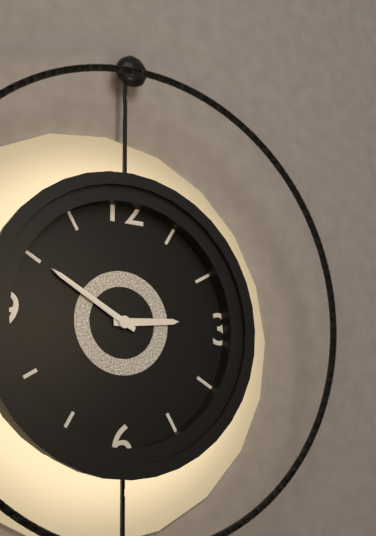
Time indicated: 2:50
